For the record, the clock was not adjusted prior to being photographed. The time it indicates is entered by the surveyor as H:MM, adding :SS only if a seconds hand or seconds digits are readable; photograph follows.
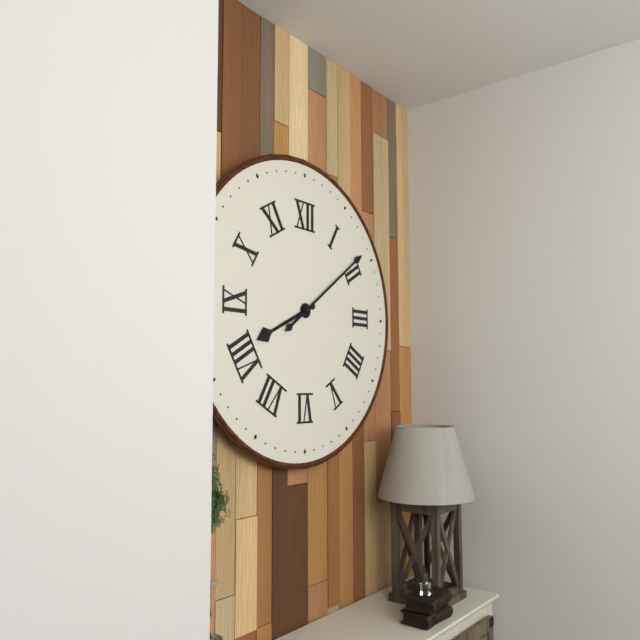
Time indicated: 8:09
